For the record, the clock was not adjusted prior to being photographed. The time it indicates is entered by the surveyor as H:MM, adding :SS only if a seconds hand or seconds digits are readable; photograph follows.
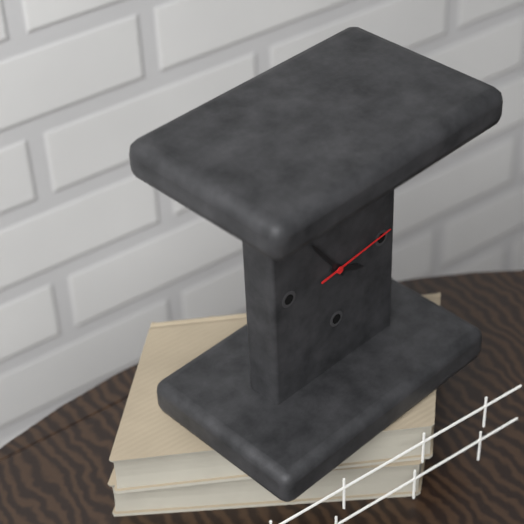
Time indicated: 3:54:14
